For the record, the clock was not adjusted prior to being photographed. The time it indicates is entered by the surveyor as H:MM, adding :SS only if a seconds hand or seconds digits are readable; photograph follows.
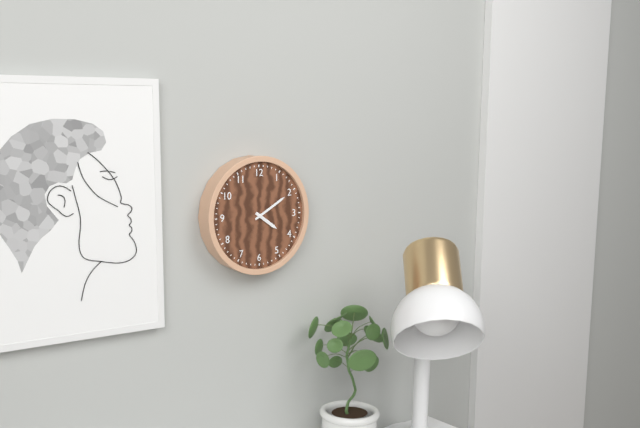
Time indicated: 4:10
